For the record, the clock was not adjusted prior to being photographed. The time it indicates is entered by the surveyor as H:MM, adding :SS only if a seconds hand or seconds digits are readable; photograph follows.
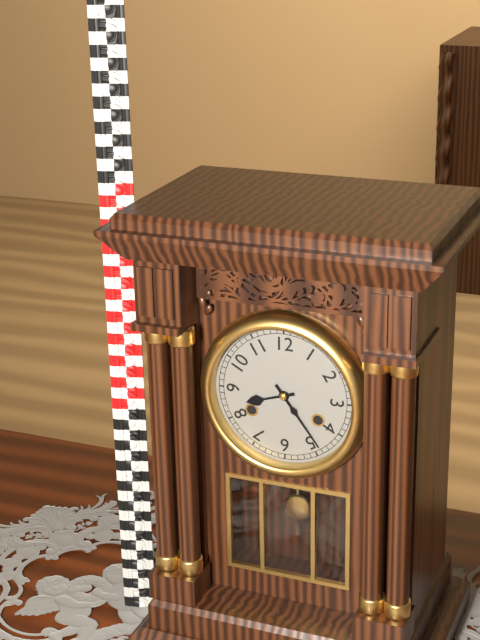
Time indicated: 8:24
